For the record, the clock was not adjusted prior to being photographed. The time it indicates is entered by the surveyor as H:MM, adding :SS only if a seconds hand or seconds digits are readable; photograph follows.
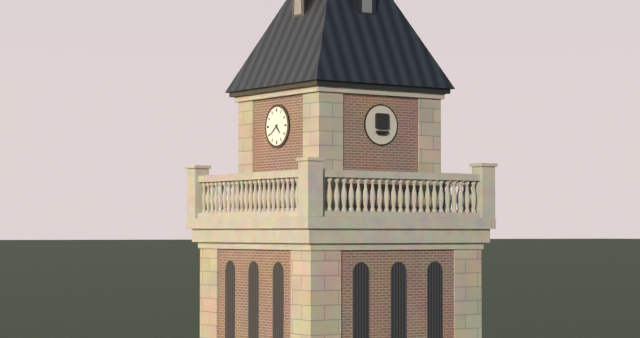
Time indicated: 4:39
